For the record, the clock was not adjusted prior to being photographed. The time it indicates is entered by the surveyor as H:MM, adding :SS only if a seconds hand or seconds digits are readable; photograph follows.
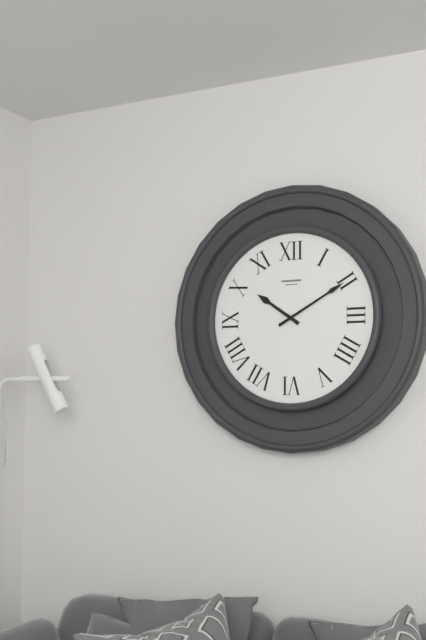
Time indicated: 10:10
